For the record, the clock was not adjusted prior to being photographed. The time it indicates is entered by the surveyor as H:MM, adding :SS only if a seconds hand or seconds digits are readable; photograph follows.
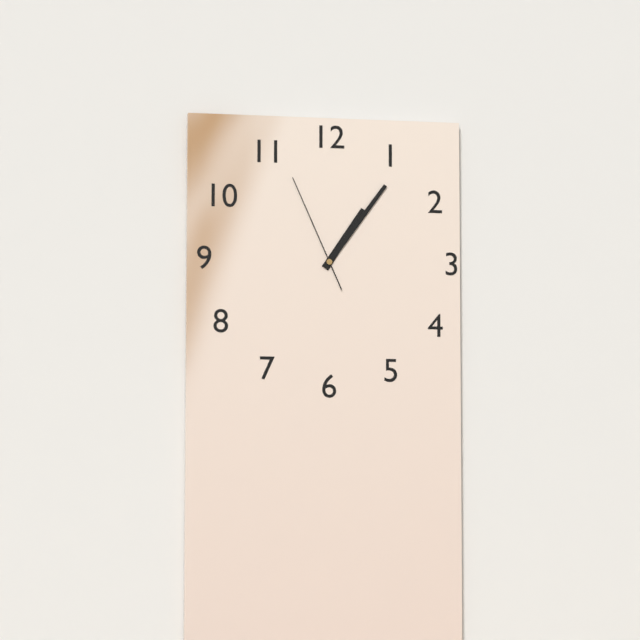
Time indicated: 1:06:56
